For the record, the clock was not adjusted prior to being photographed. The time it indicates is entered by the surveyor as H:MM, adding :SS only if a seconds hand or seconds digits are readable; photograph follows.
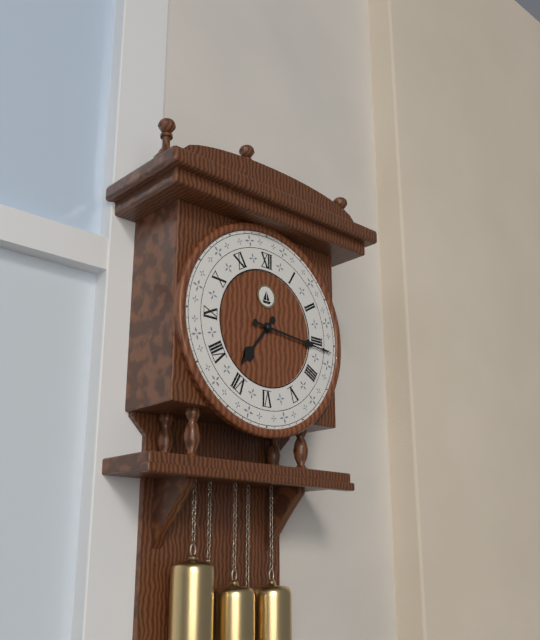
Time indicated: 7:16
